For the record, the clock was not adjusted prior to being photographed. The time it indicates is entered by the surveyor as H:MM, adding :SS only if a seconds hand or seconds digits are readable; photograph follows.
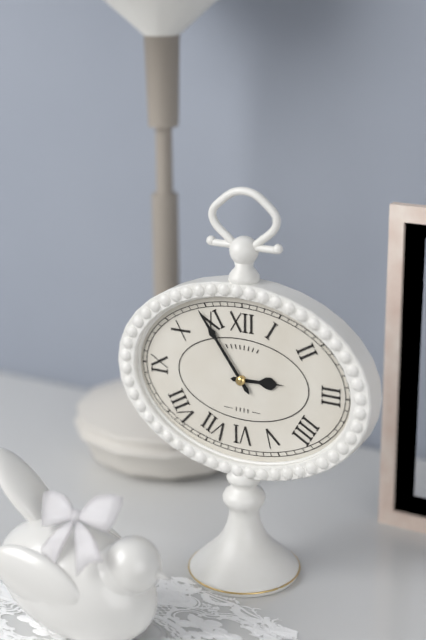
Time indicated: 2:54
